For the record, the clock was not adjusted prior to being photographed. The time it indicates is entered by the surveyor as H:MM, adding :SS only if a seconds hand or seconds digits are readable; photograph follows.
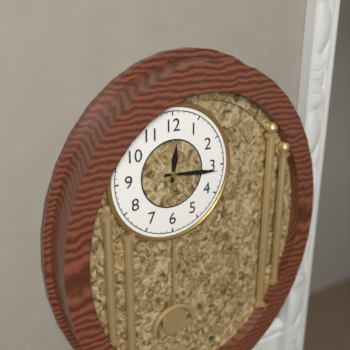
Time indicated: 12:16
